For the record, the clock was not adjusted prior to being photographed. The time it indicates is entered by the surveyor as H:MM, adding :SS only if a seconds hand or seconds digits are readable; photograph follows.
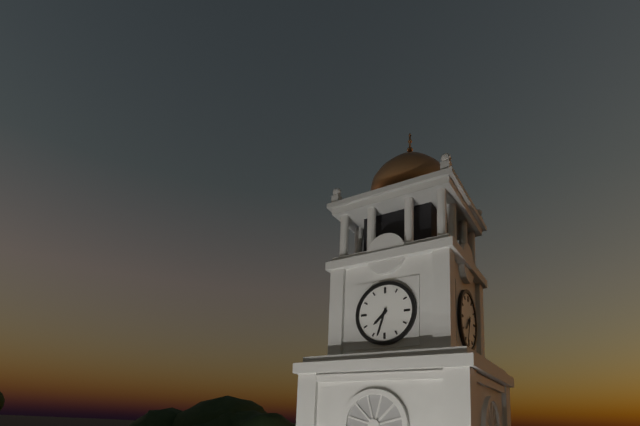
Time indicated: 7:33
